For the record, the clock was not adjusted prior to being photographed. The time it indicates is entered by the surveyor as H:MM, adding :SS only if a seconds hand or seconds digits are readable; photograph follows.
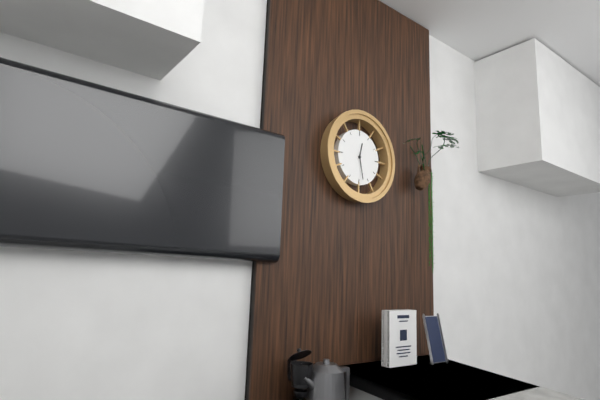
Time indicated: 12:28
